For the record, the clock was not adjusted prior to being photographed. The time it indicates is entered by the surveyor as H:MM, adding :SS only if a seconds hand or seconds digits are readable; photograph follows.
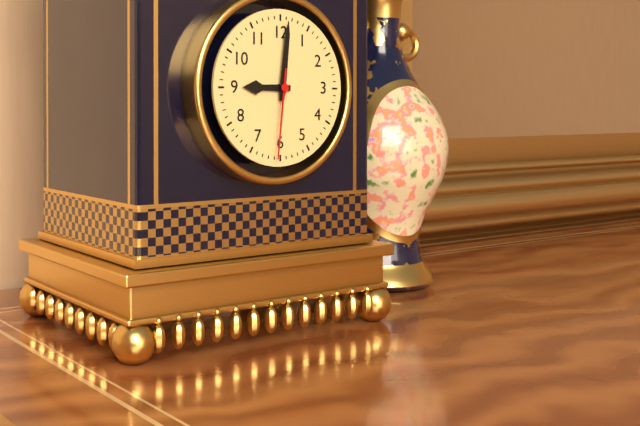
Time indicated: 9:01:31
